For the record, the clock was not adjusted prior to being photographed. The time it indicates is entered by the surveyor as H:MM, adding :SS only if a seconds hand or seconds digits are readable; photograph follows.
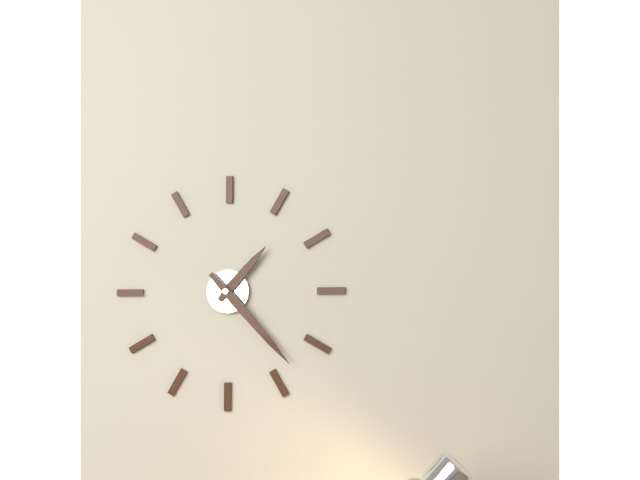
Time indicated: 1:23
